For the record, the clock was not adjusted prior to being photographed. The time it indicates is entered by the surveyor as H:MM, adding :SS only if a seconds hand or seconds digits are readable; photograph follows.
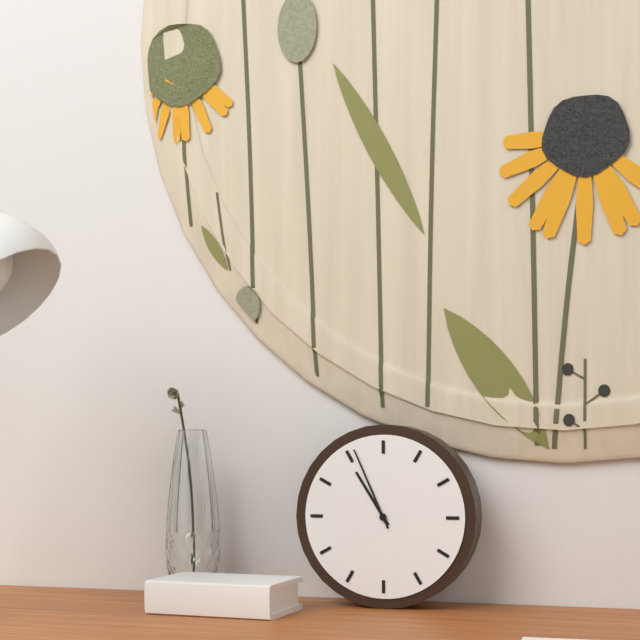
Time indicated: 10:56
